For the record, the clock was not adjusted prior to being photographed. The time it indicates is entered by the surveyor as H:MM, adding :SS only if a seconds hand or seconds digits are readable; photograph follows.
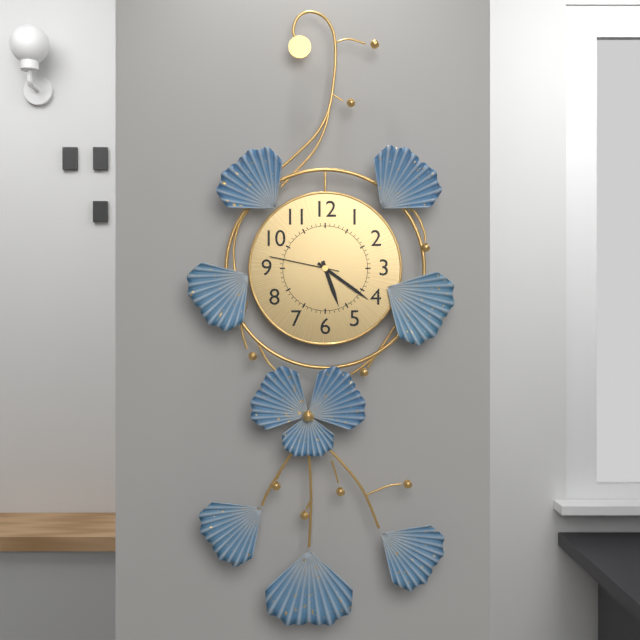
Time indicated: 5:21:47
